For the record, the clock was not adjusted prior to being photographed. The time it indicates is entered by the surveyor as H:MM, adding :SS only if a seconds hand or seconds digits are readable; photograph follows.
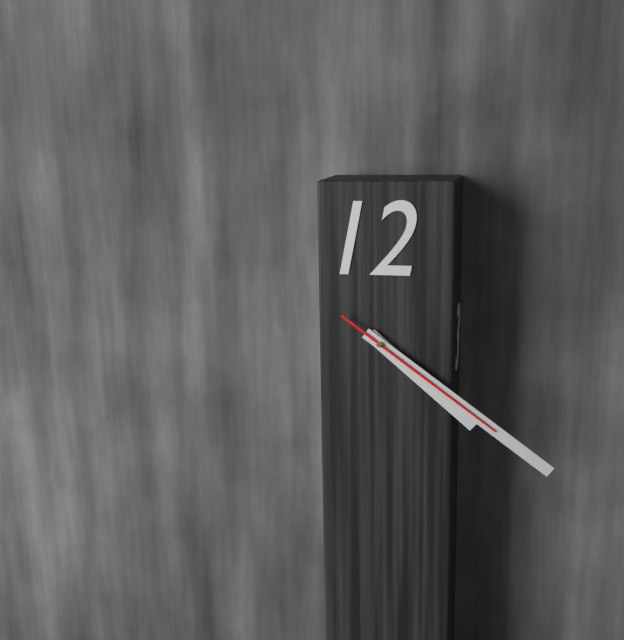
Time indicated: 4:21:21
